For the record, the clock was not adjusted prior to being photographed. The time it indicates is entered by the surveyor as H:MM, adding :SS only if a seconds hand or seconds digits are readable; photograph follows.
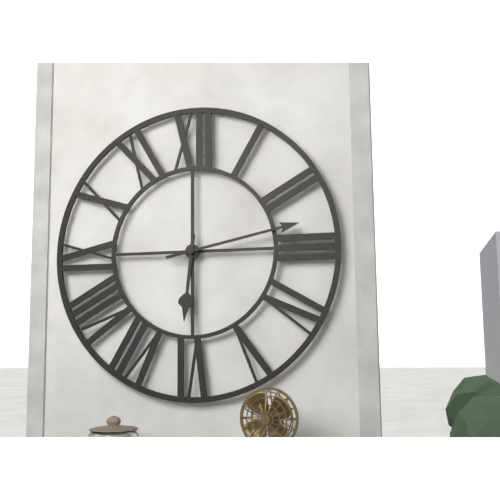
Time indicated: 6:13
